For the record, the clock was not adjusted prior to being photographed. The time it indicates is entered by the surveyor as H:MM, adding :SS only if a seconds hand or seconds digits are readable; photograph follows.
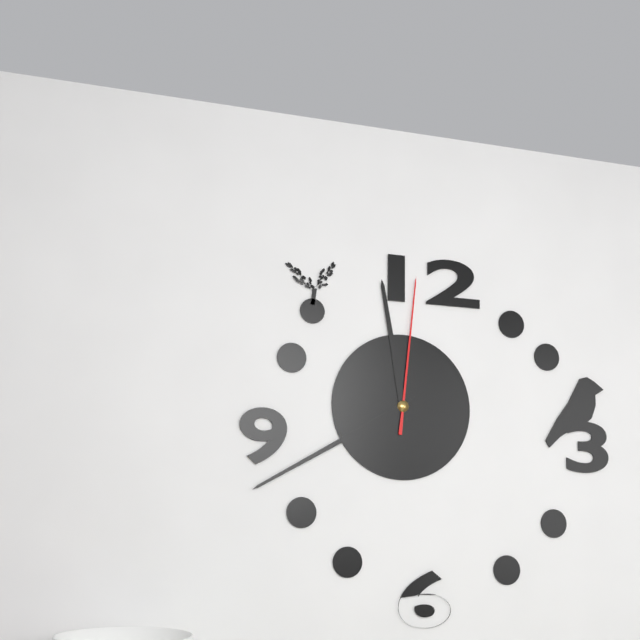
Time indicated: 11:40:01
